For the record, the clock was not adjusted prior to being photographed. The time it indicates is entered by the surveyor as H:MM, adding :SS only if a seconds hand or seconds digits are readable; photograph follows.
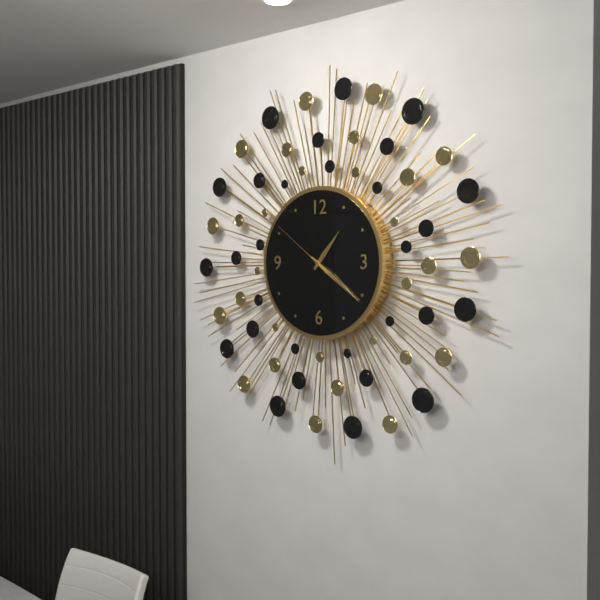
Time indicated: 1:21:51
